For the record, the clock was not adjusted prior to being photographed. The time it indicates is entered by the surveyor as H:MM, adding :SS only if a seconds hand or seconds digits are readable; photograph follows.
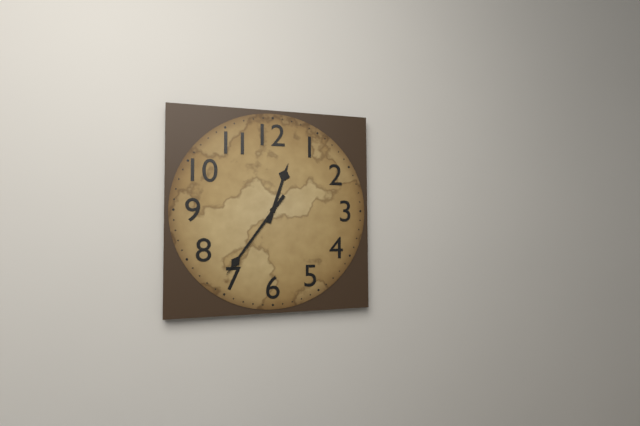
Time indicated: 12:36
